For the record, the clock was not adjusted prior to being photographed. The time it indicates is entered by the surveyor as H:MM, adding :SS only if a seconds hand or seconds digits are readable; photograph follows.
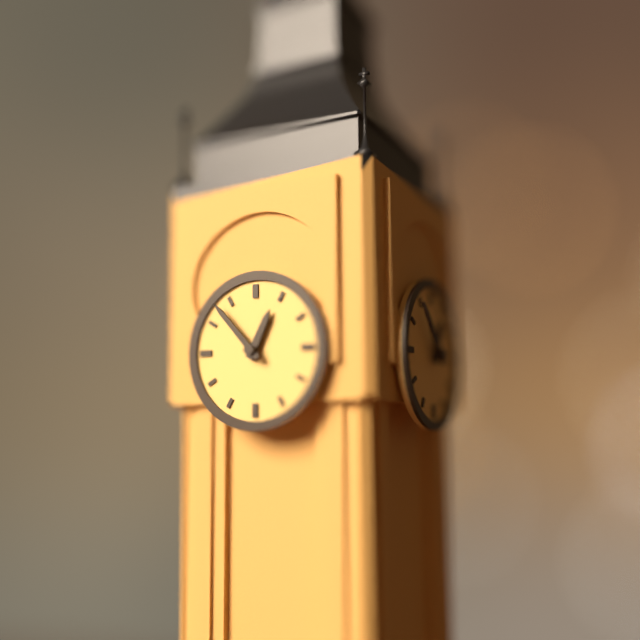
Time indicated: 12:53
